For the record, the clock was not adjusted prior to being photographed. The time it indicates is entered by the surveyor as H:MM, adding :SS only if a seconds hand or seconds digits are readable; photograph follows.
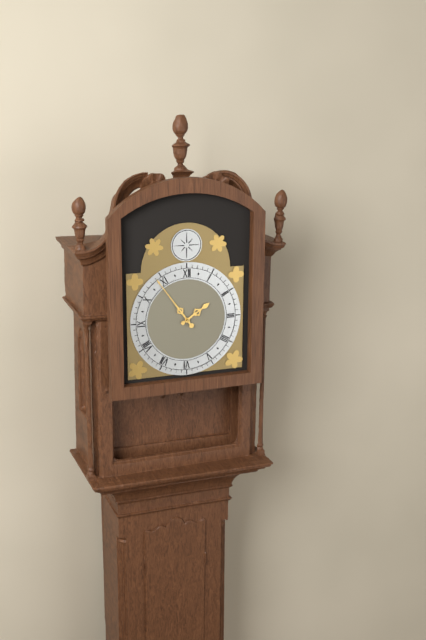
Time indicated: 1:54
